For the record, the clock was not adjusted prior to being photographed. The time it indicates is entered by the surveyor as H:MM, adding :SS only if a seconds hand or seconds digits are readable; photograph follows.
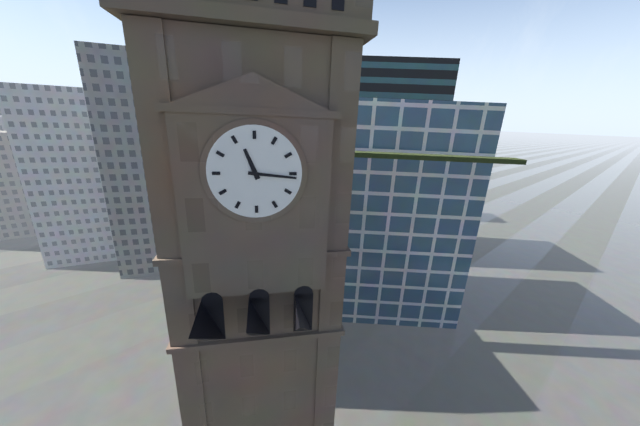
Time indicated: 11:16
